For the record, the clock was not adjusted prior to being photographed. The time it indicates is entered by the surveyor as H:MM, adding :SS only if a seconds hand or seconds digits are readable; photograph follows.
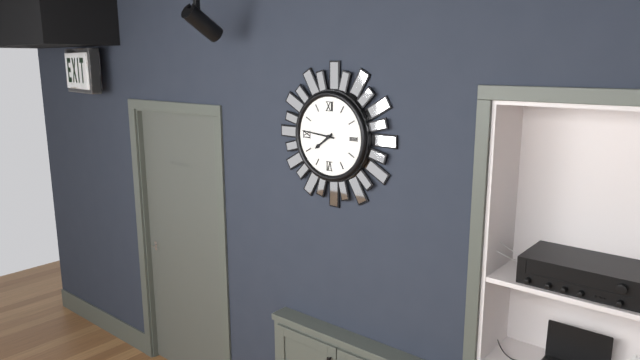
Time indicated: 7:46
